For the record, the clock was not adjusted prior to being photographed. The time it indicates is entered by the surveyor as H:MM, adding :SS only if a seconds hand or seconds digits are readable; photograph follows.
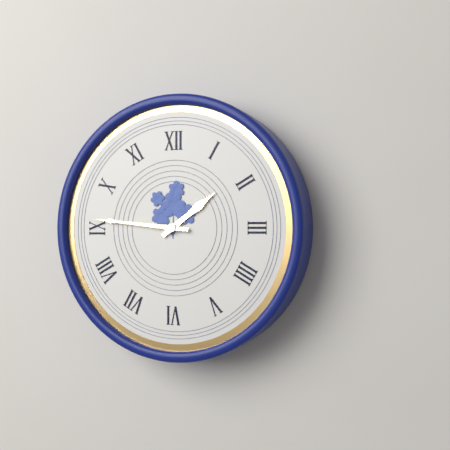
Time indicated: 1:46
